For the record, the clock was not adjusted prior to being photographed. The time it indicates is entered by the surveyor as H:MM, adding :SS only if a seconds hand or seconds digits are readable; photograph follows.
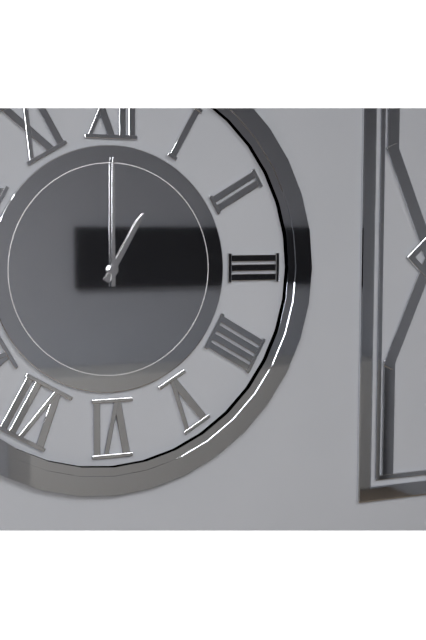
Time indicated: 1:00
